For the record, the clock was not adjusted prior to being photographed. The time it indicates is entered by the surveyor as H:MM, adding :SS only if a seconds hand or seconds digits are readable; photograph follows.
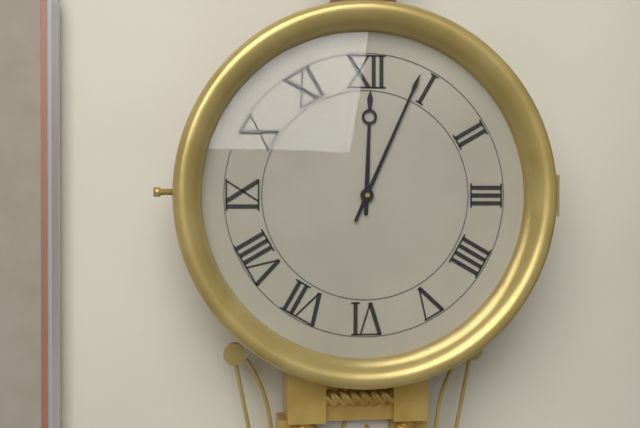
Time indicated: 12:04
